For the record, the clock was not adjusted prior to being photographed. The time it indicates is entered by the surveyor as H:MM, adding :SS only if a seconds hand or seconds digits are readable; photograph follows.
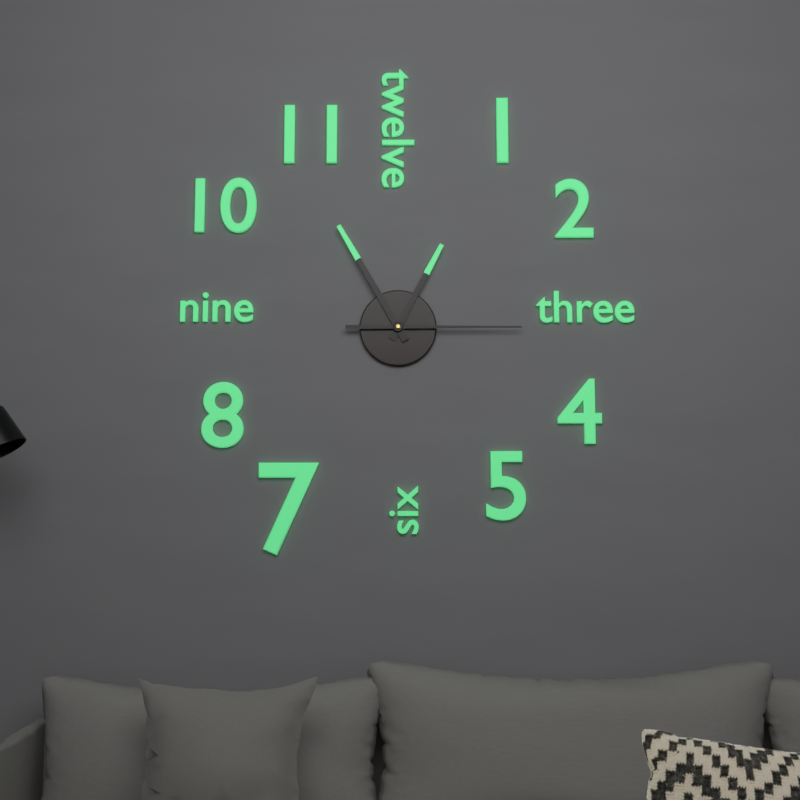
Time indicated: 12:55:15
